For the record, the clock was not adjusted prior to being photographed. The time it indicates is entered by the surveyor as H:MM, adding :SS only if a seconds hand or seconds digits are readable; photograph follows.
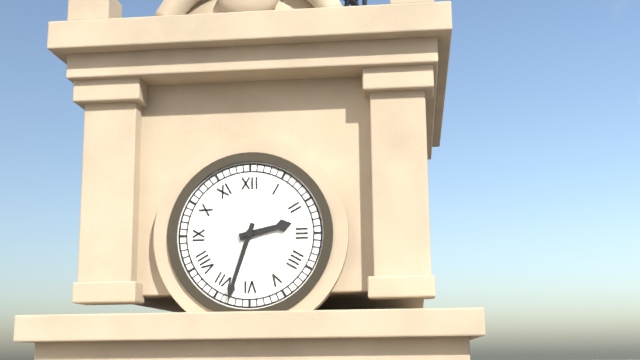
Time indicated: 2:33
